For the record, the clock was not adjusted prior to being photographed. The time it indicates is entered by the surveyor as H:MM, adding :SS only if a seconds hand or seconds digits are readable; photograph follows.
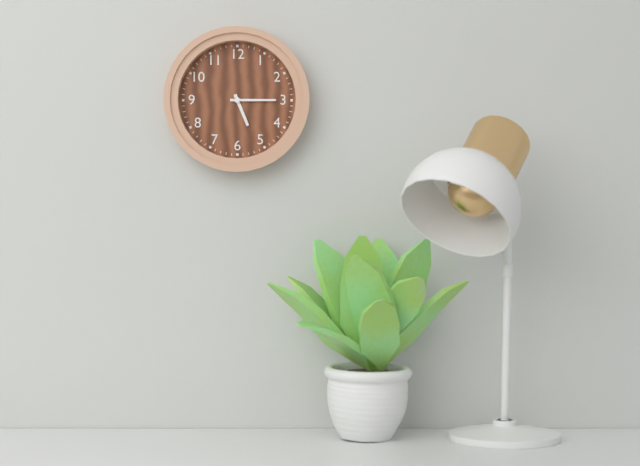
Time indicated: 5:15
